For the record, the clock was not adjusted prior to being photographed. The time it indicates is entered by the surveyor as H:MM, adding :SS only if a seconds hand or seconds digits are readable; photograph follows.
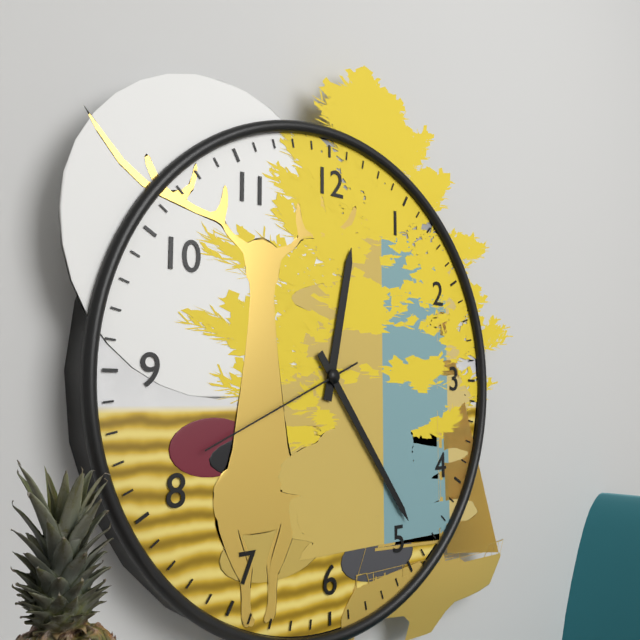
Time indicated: 12:24:41
